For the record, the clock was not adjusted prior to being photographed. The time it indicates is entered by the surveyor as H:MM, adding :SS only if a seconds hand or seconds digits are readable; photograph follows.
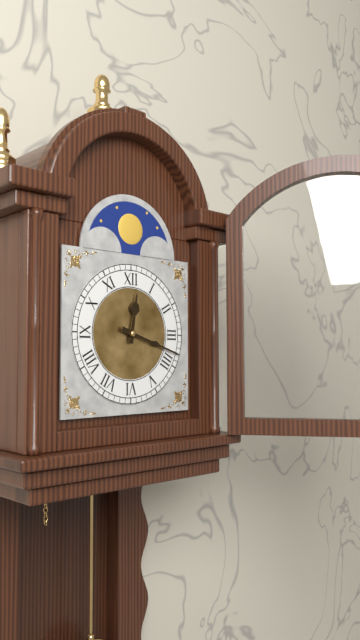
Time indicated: 12:18
